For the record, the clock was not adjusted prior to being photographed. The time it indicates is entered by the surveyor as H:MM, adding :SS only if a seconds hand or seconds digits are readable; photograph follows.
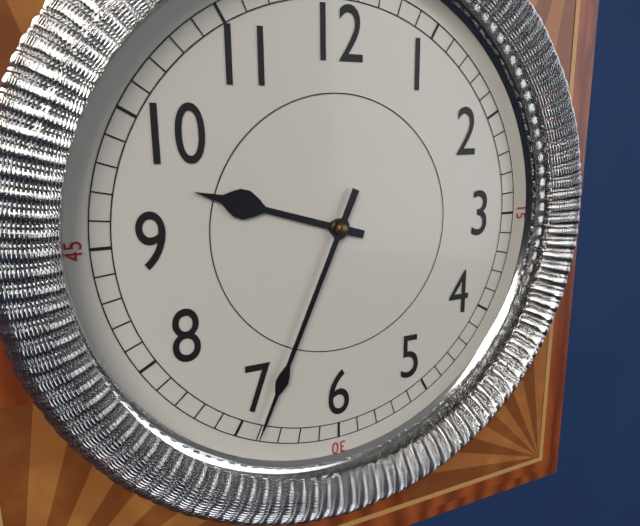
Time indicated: 9:34
